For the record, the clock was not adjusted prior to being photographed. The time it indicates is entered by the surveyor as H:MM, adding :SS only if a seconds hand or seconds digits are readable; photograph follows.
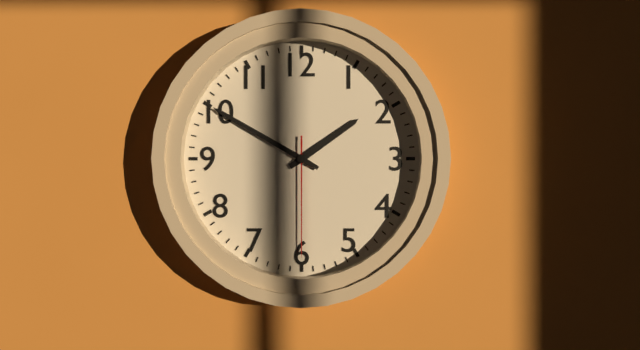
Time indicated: 1:50:30
